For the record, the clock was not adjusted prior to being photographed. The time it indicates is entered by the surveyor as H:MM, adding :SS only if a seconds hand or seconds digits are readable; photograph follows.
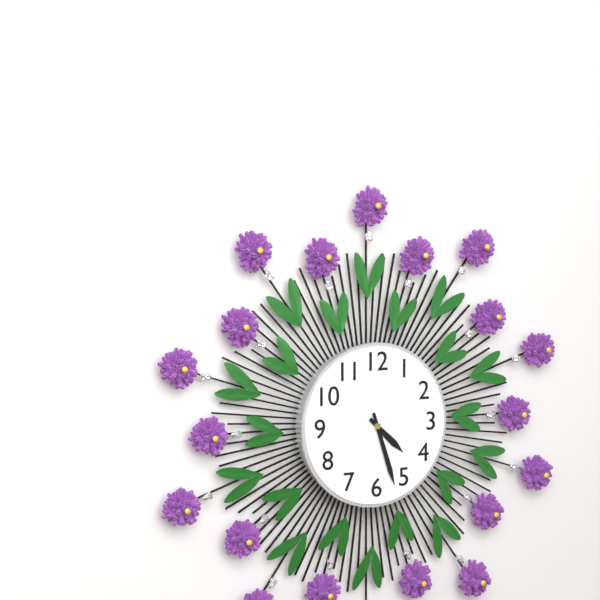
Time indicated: 4:27
